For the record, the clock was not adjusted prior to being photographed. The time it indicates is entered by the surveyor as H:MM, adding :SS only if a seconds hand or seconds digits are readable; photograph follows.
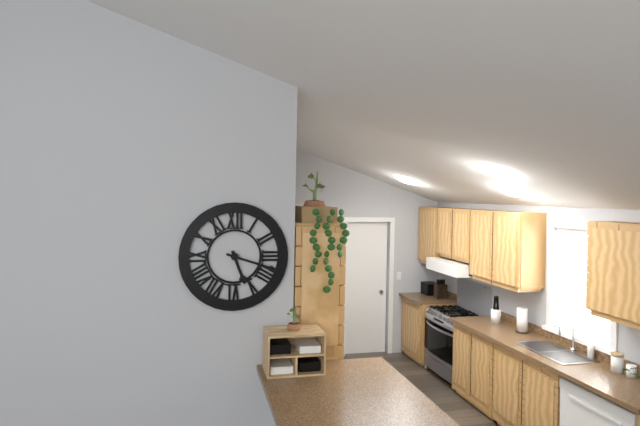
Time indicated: 5:18
